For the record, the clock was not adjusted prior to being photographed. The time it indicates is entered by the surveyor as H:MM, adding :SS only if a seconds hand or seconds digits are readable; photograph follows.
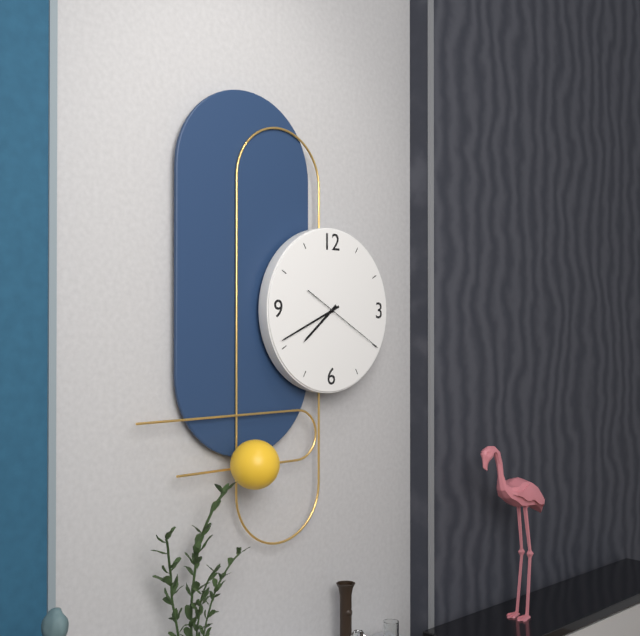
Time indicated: 7:41:20
